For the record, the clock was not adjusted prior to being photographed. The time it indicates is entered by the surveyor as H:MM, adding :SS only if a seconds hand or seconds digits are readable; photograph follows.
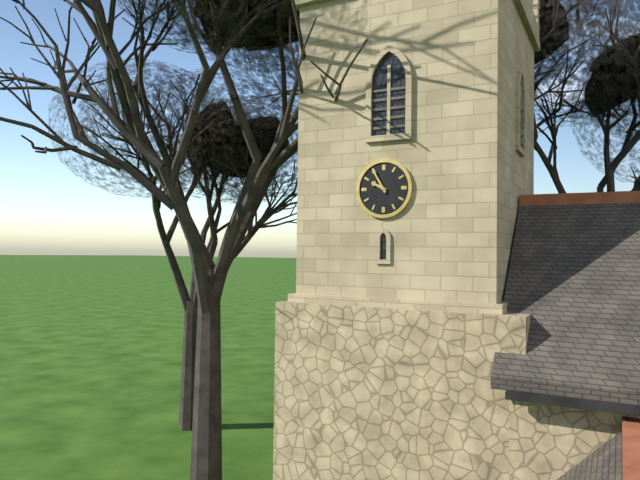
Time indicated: 9:55
